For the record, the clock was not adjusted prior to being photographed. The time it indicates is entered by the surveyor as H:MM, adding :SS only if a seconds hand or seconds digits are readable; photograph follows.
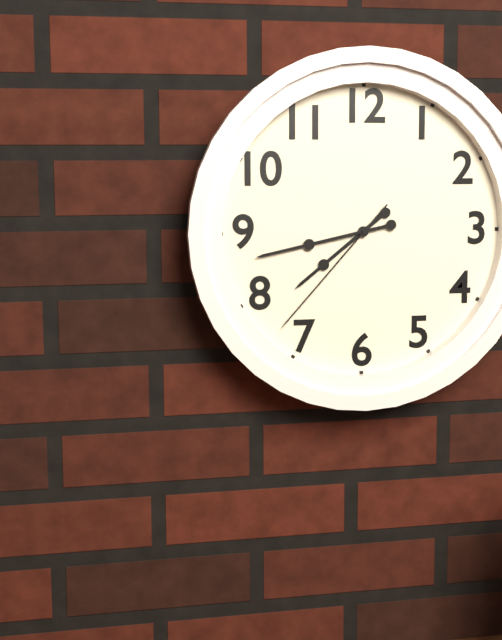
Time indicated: 7:43:37
